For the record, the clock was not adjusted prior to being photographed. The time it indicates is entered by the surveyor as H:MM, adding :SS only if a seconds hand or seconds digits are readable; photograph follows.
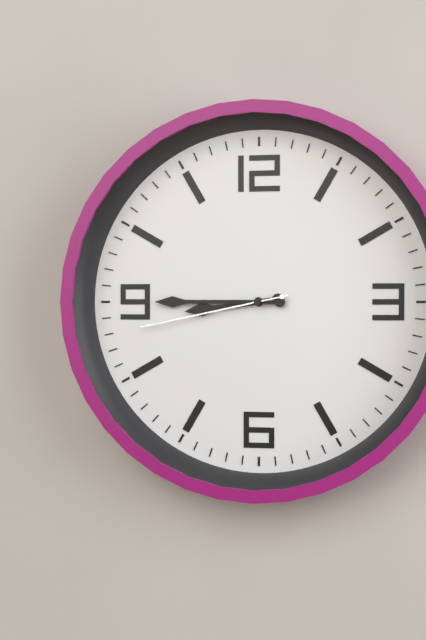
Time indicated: 8:45:43
